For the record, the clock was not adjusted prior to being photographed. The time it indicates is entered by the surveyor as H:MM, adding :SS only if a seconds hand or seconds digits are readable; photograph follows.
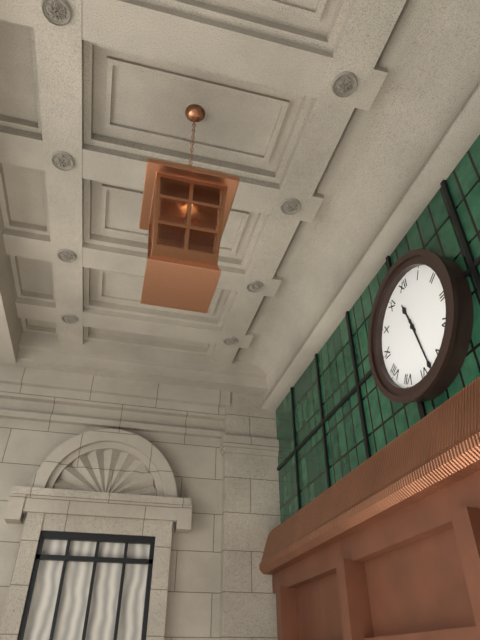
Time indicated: 11:28
